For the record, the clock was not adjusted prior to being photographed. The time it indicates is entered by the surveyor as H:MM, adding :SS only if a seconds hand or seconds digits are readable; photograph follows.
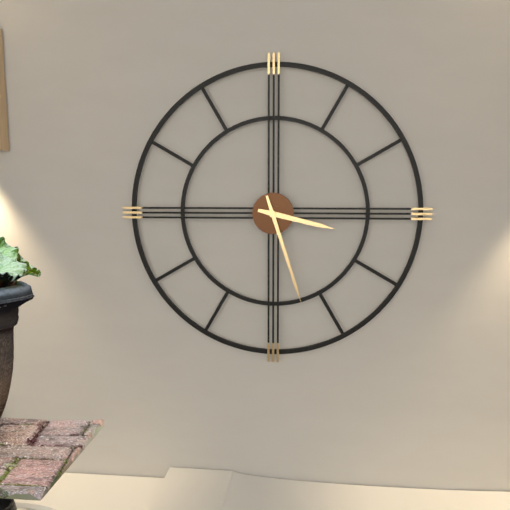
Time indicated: 3:27
